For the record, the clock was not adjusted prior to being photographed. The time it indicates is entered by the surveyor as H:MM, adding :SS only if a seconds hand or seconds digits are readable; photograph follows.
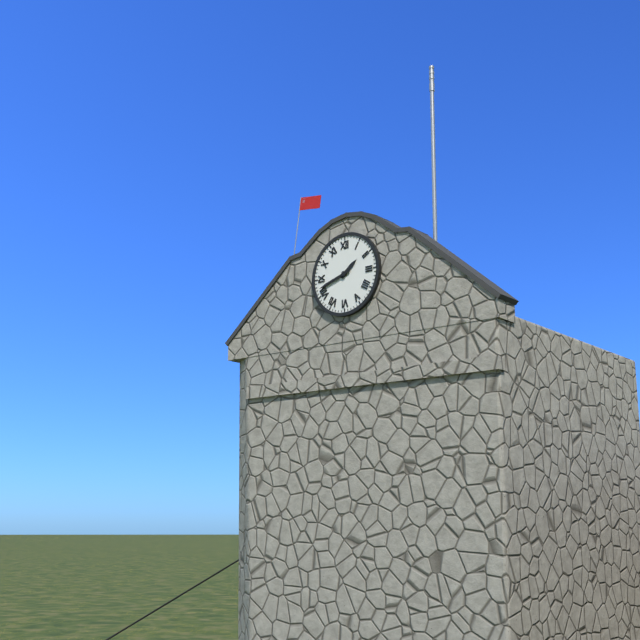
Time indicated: 1:42
